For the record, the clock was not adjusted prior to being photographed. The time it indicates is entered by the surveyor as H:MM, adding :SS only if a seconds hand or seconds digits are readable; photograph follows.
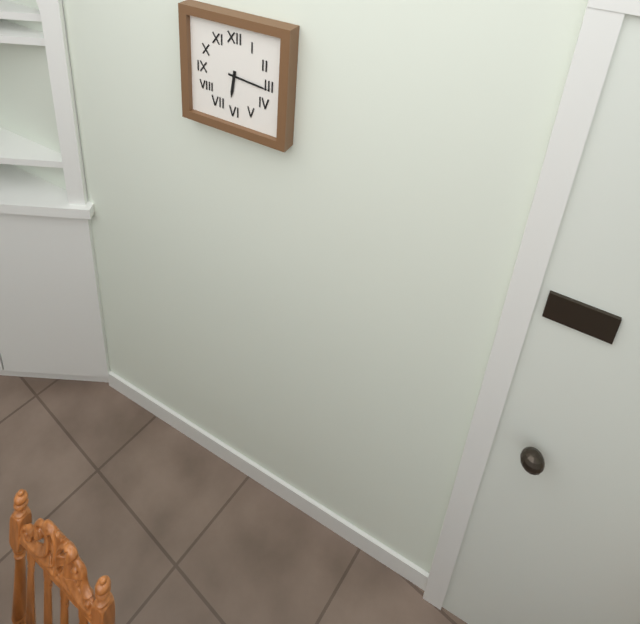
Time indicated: 6:16
